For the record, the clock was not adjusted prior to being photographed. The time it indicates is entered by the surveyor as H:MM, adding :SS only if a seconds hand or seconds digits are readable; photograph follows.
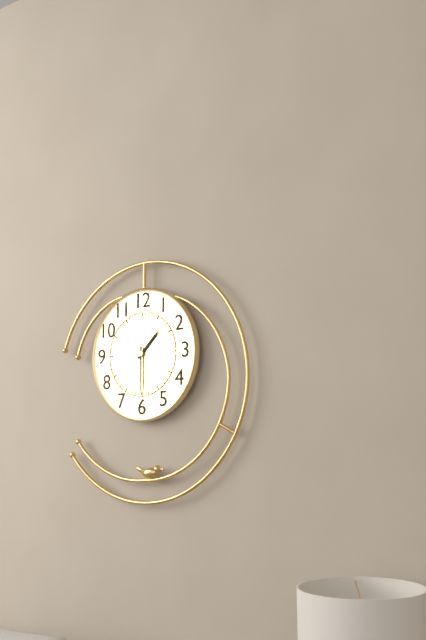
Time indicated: 1:30
